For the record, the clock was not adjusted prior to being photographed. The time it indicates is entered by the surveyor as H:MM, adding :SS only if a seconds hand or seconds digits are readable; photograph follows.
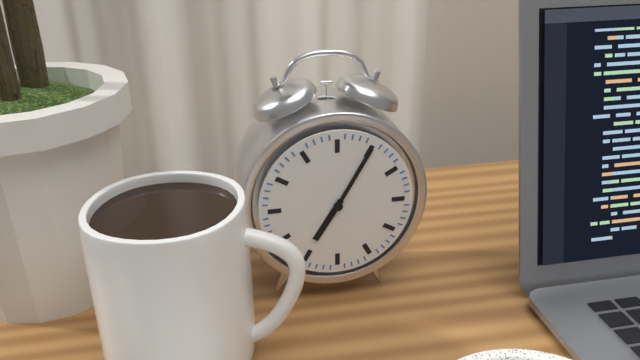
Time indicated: 7:05
